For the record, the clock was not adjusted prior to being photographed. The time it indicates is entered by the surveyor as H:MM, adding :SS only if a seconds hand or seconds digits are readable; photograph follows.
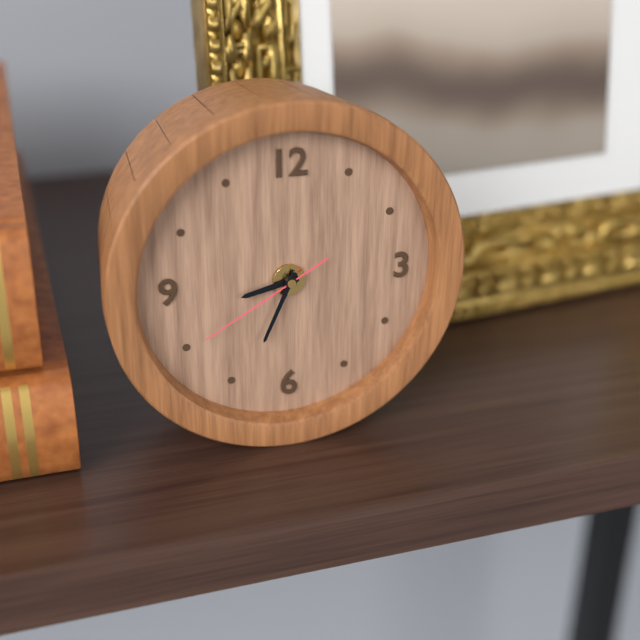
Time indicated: 8:34:40
